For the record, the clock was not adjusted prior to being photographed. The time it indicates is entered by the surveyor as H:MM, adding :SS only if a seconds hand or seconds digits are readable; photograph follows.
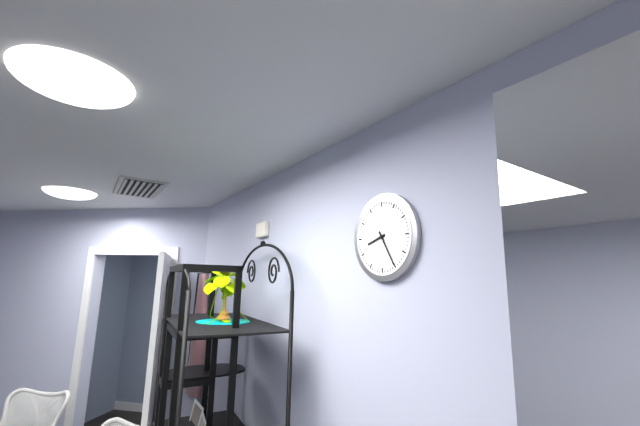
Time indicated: 8:25
